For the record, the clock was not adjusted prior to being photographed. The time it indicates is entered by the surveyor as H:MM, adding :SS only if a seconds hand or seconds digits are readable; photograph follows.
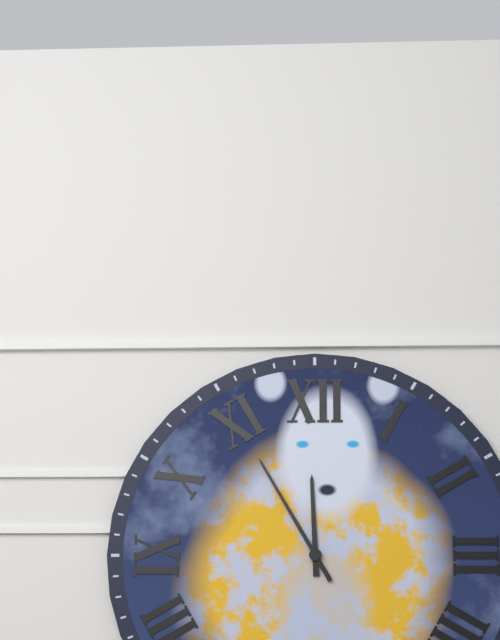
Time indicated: 11:55
